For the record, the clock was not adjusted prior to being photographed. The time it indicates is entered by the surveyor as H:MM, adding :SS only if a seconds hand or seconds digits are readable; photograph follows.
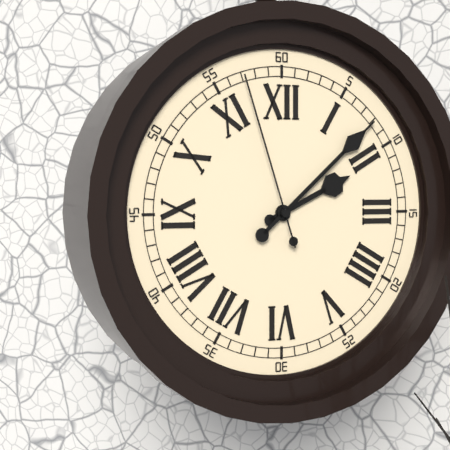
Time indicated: 2:08:57
